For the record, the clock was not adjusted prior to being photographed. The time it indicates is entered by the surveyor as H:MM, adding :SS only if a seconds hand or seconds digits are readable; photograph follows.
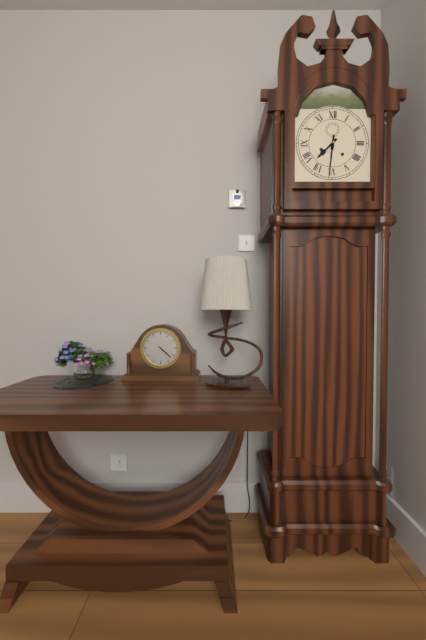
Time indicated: 7:31
